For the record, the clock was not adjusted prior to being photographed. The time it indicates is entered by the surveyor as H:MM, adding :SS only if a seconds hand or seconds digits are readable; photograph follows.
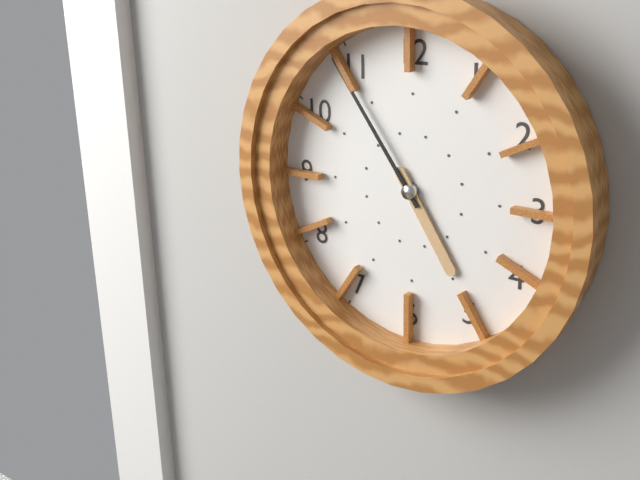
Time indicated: 4:54
